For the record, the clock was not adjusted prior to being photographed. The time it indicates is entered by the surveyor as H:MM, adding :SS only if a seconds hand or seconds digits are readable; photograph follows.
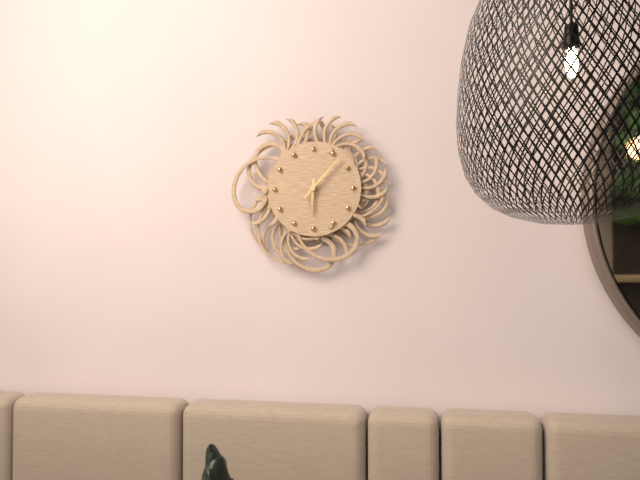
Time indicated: 6:07
